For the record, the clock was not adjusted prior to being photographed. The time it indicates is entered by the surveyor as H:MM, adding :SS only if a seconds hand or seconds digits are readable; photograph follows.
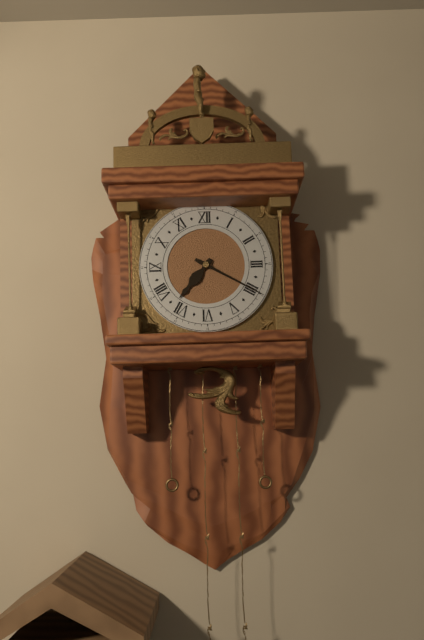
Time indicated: 7:20
